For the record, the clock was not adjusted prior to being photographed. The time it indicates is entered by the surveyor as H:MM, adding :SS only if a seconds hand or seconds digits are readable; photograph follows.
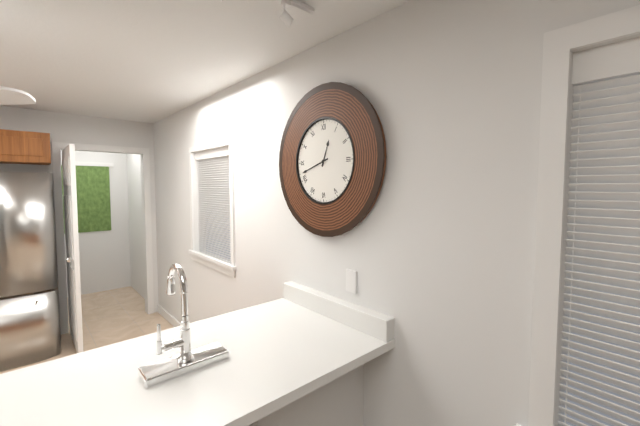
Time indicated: 12:42
